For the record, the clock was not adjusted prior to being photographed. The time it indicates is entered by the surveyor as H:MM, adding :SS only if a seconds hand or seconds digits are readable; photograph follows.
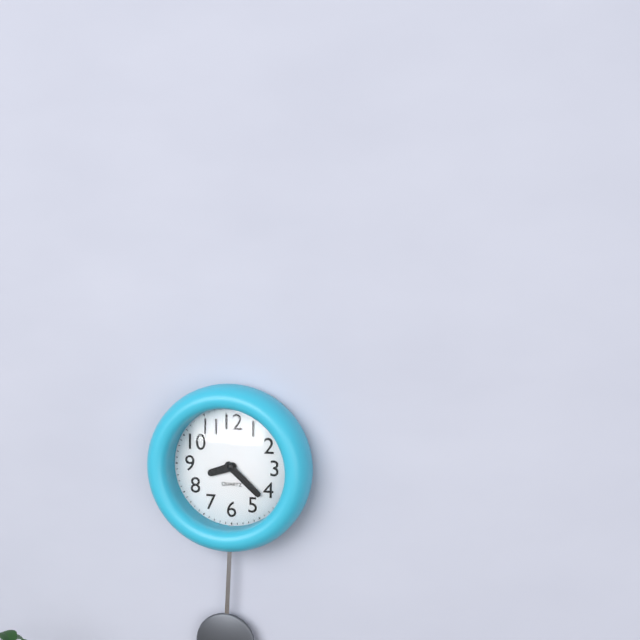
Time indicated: 8:22
